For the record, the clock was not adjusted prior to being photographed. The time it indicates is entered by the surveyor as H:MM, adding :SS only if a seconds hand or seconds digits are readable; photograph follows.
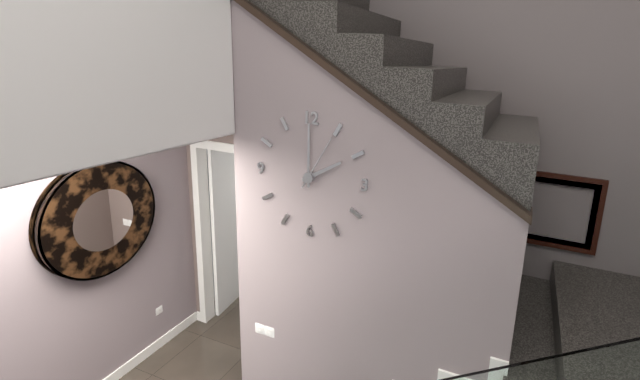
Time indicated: 2:00:05
